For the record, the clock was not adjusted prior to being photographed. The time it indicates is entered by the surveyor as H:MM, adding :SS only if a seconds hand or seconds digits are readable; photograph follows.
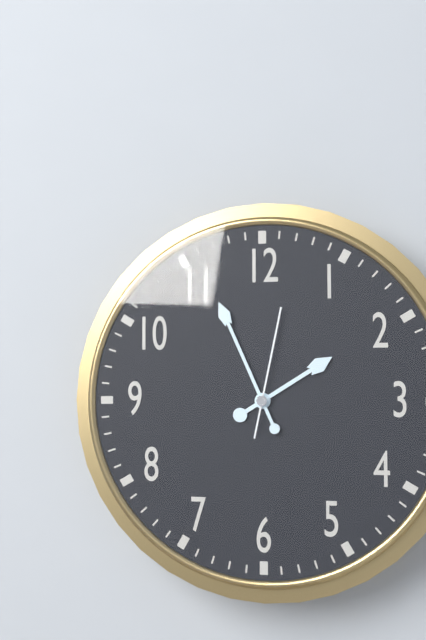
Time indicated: 1:56:02
